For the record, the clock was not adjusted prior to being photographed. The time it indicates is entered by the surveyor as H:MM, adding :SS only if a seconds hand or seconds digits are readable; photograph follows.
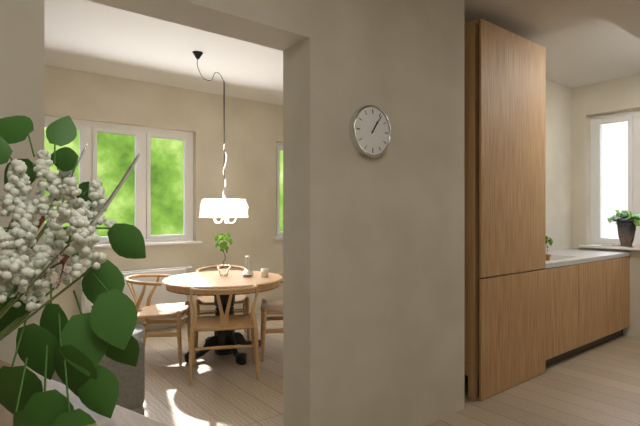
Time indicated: 1:06
